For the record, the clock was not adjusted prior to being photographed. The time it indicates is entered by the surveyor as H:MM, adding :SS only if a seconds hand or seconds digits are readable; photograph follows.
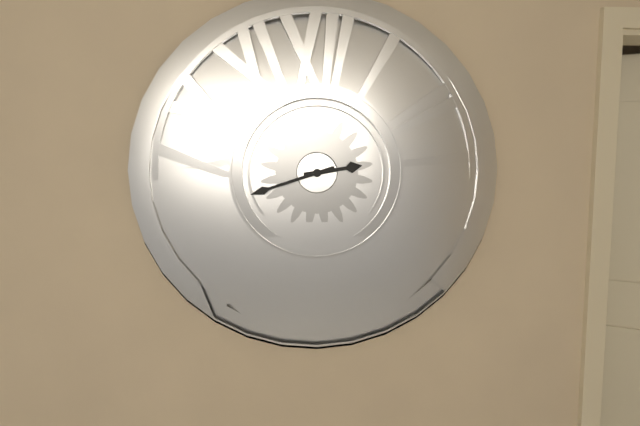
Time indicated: 2:42
